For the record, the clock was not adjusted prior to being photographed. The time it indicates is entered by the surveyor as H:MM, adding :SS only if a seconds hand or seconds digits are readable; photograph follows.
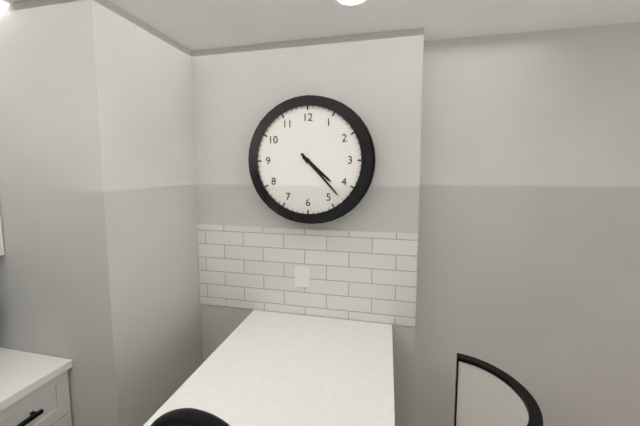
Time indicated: 4:23
